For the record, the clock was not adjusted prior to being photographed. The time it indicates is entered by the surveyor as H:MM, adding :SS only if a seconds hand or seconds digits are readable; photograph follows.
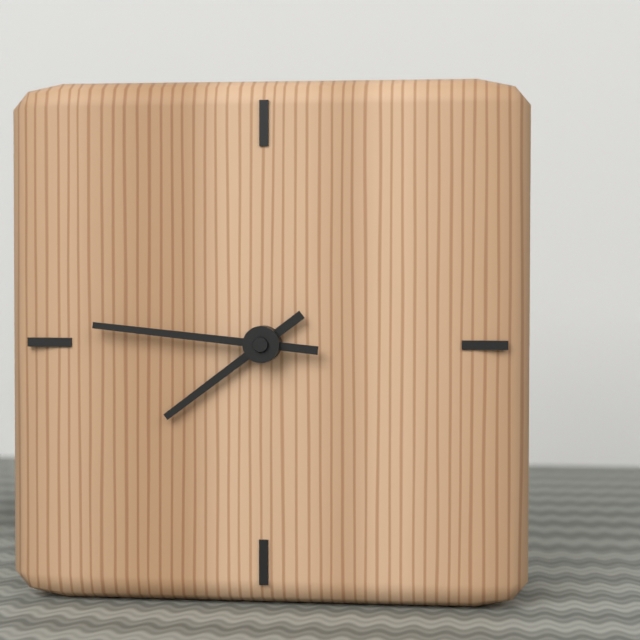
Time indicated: 7:46
